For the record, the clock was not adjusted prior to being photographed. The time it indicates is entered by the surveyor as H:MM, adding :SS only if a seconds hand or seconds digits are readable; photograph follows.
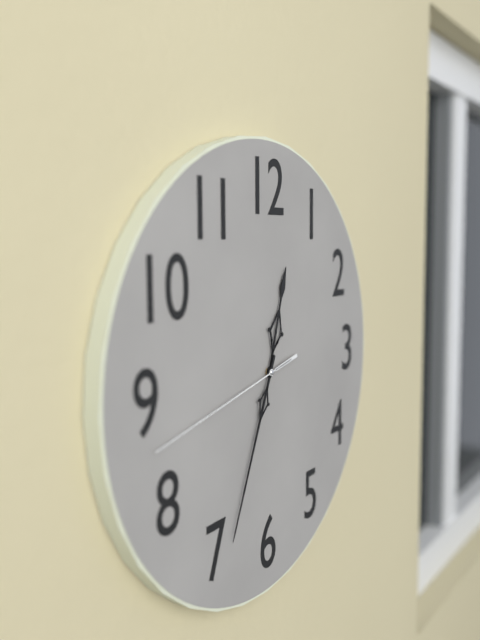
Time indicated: 12:34:43
